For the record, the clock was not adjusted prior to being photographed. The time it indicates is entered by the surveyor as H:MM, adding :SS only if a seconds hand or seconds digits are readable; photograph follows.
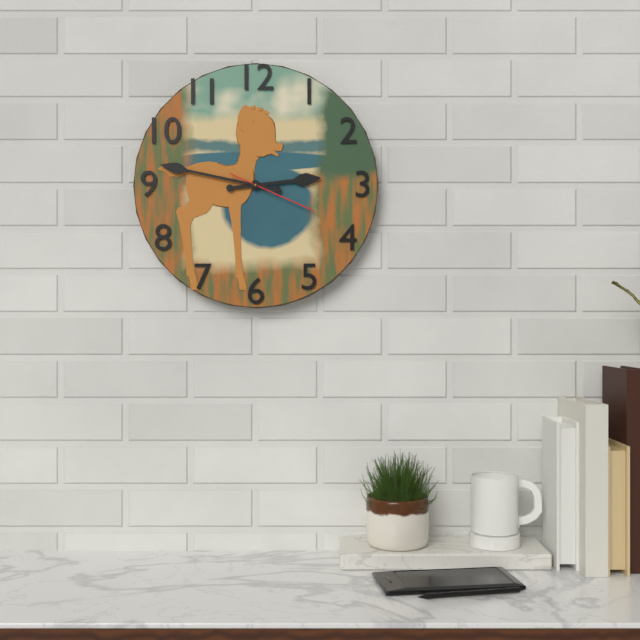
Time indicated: 2:47:19
